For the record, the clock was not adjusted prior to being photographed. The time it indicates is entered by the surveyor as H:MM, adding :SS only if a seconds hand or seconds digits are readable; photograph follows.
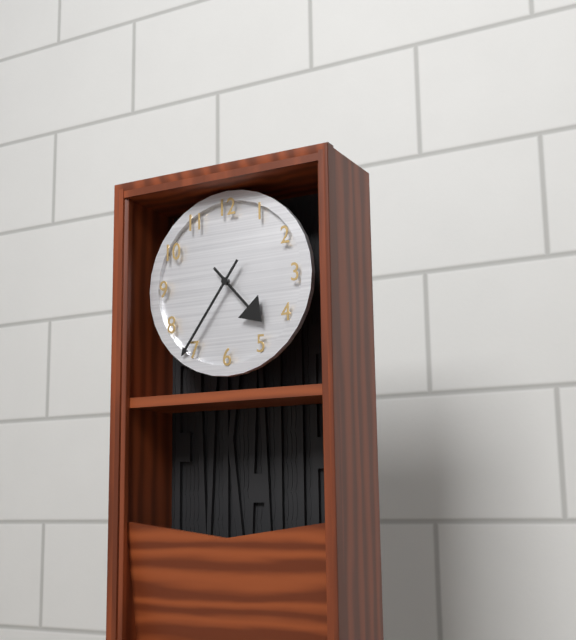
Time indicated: 4:36
